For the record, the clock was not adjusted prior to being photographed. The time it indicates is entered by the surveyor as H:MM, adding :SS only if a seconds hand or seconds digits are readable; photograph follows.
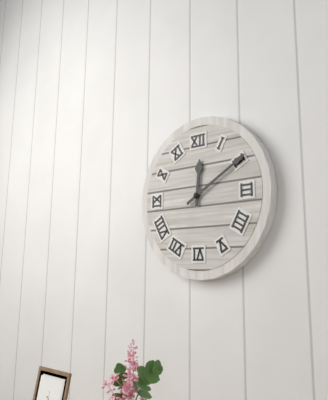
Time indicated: 12:10
